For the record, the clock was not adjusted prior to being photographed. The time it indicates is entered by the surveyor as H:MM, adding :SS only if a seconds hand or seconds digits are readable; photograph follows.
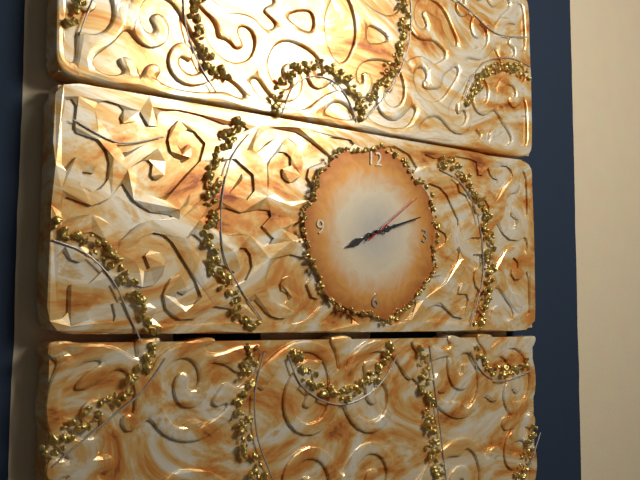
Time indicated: 8:12:09
